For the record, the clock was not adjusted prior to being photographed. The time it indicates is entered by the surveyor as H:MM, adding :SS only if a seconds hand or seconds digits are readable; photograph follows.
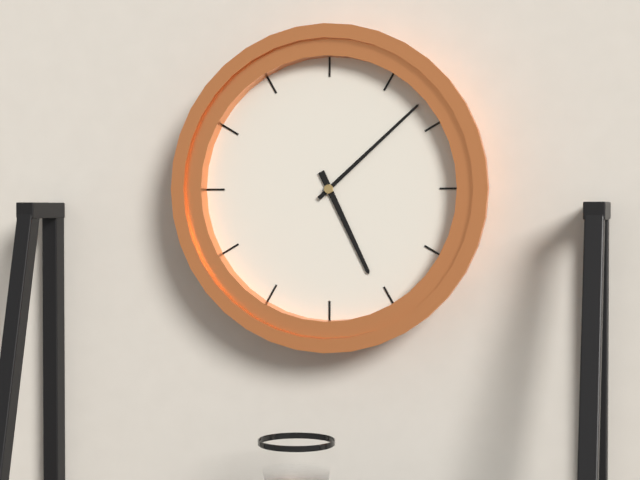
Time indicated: 5:08
